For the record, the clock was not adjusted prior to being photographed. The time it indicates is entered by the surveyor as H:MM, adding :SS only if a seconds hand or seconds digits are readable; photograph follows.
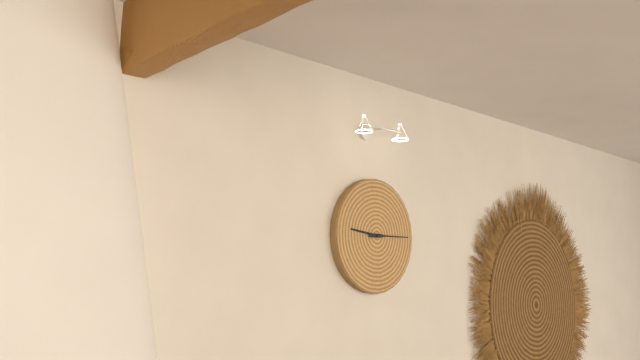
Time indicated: 9:15
